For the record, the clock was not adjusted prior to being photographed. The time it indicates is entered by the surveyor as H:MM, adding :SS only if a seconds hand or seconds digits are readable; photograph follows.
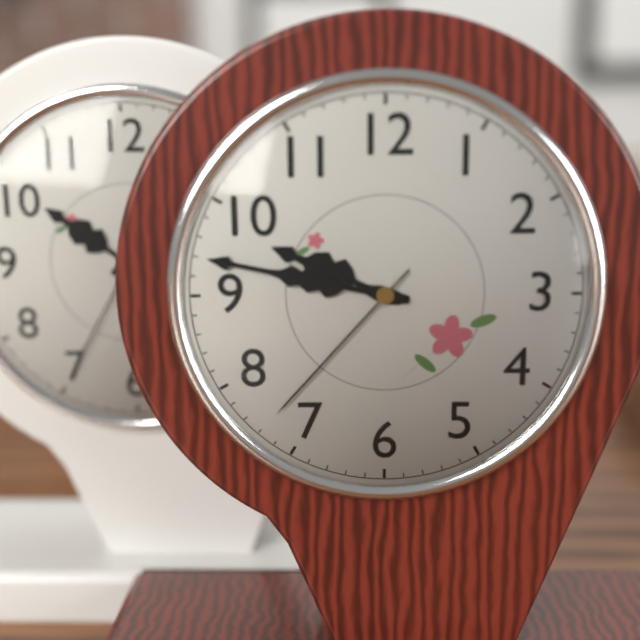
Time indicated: 9:47:37
